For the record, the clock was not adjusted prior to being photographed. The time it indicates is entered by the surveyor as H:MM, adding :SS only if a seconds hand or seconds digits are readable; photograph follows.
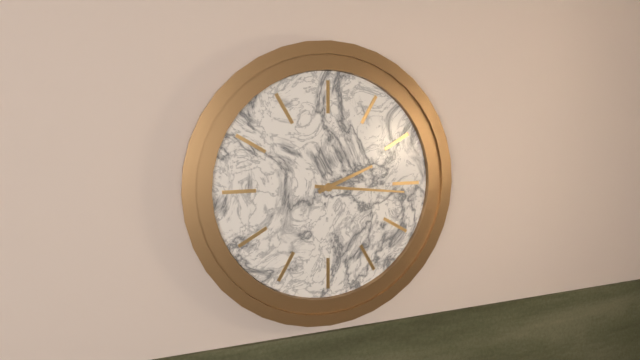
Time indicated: 2:16
